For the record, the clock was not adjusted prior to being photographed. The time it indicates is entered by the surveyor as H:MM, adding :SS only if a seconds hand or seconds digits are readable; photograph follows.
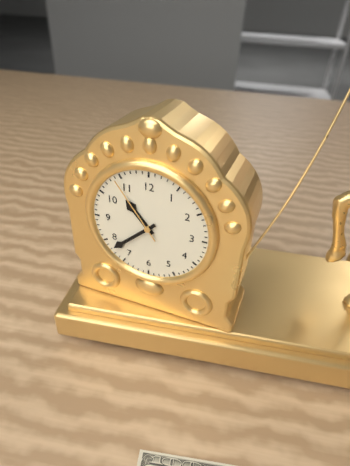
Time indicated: 10:38:54
